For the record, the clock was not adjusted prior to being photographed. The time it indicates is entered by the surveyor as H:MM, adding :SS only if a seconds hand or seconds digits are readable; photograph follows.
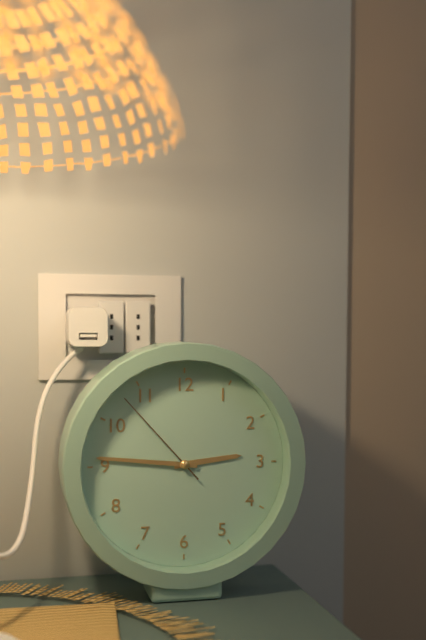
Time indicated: 2:46:53
